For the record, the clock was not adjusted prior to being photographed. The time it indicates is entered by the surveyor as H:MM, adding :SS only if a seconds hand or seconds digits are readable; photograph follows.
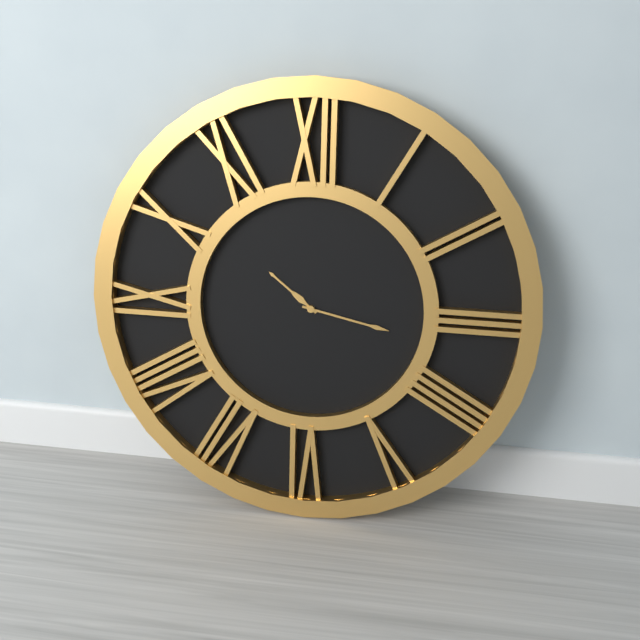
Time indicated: 10:17
